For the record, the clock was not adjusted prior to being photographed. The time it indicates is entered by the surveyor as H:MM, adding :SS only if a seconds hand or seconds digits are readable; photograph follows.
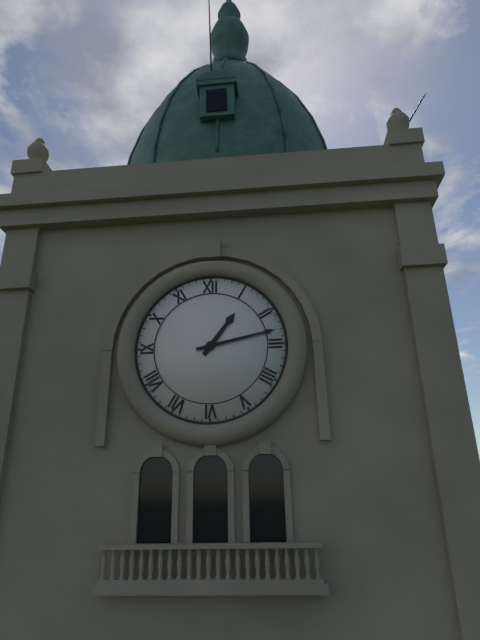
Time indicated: 1:13
